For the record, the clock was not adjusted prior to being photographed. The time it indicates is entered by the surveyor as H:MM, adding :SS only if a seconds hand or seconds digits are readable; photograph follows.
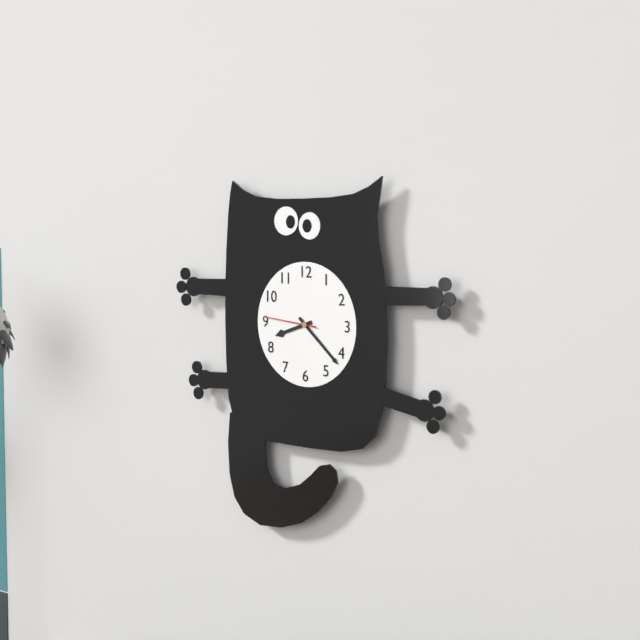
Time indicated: 8:22:46
